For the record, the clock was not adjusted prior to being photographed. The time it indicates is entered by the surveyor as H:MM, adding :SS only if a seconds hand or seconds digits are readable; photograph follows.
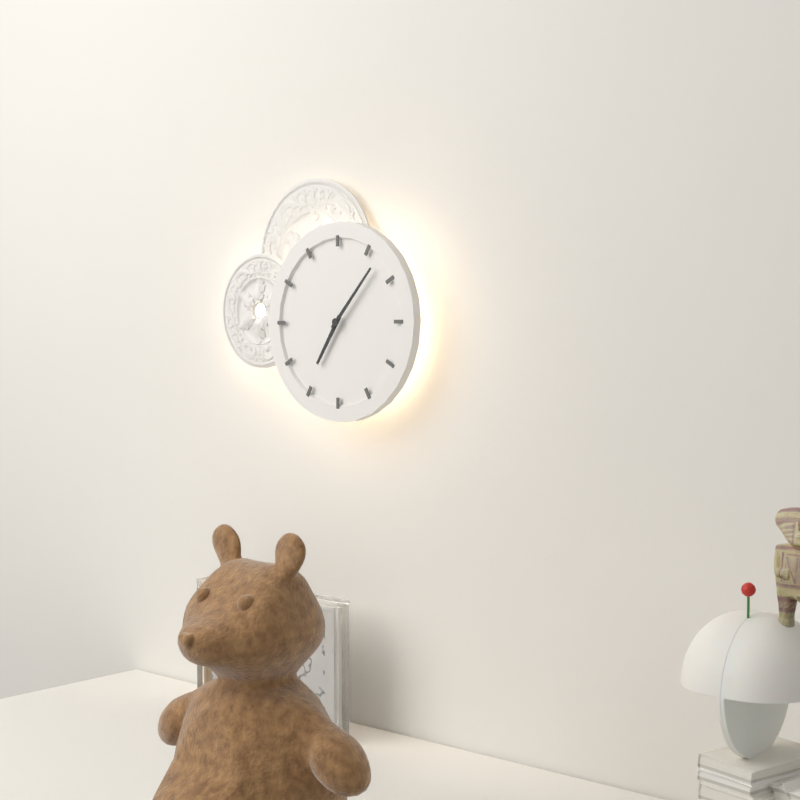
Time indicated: 7:07
